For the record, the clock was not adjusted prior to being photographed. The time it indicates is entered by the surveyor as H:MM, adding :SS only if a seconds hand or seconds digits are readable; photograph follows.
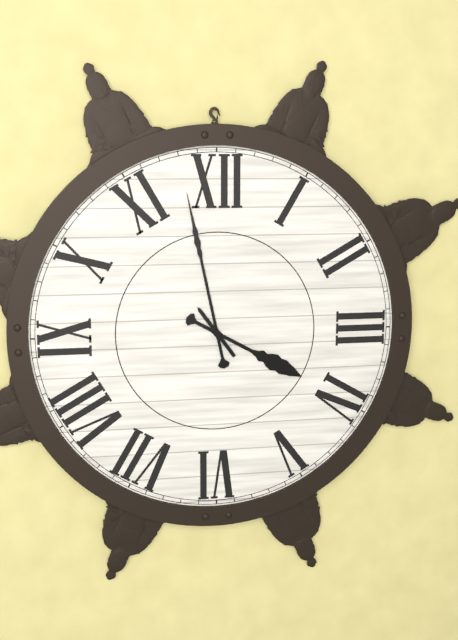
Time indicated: 3:58
